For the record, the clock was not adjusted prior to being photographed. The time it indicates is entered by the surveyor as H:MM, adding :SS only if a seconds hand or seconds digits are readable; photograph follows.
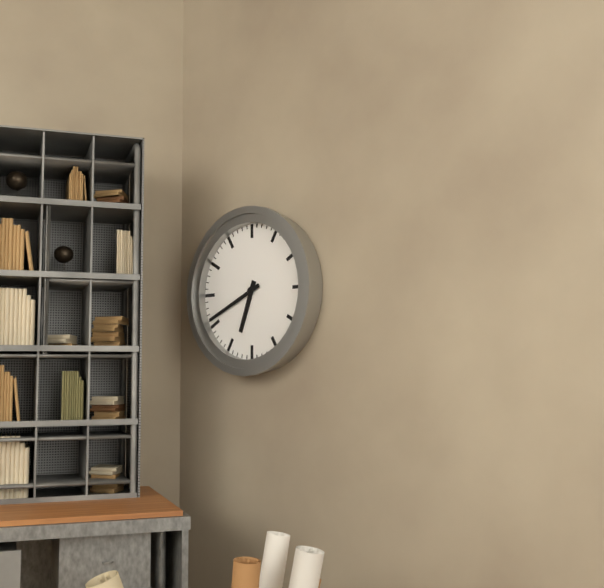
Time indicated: 6:41
